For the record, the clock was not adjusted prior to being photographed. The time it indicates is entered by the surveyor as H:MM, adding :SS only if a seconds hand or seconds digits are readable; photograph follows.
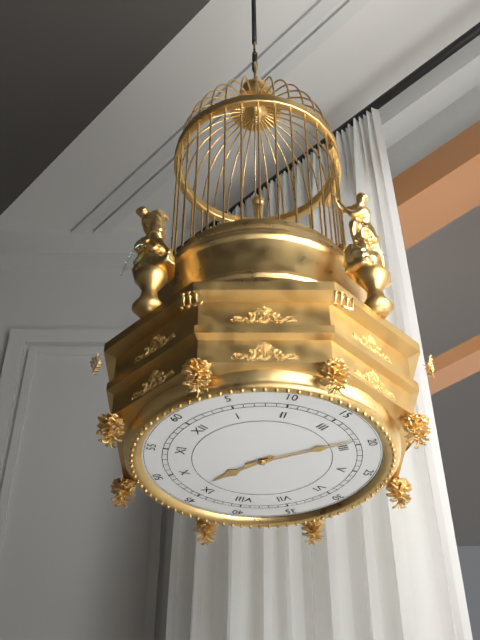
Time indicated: 9:19
